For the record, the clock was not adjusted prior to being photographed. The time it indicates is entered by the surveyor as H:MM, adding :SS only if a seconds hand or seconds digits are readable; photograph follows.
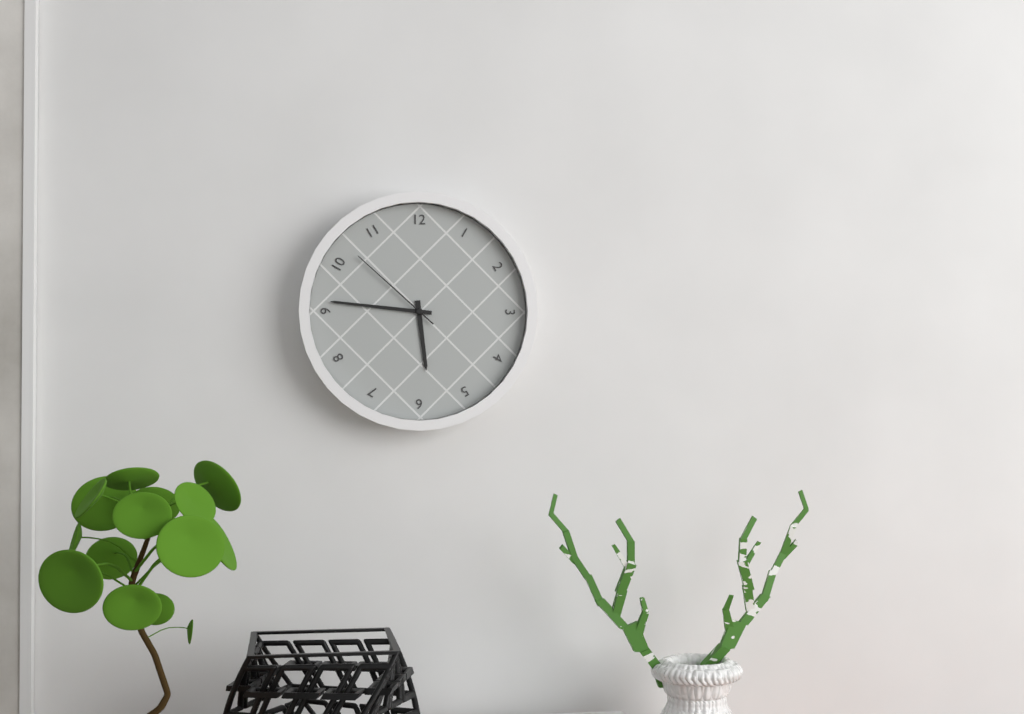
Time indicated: 5:46:52
